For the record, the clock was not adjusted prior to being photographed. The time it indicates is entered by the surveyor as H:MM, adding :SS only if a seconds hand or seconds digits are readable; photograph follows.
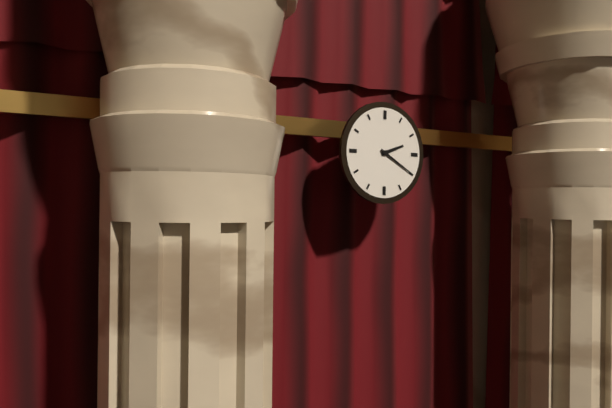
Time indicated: 2:20
